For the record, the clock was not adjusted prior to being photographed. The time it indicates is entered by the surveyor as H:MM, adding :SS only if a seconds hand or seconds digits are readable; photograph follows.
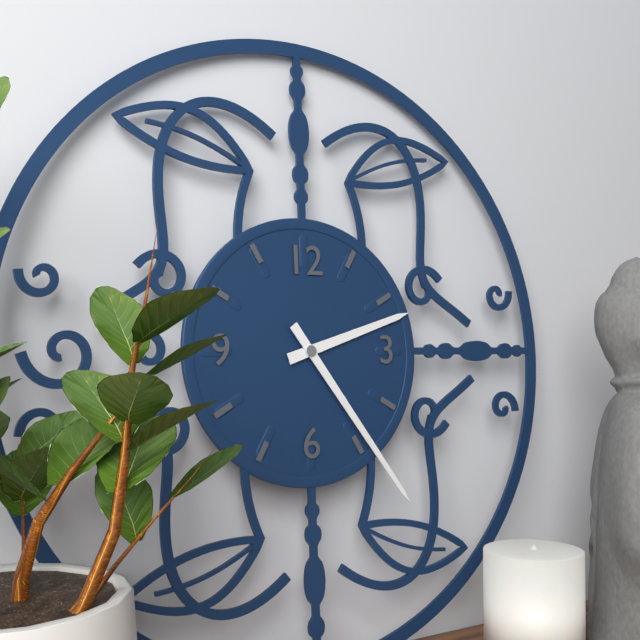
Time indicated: 2:24
